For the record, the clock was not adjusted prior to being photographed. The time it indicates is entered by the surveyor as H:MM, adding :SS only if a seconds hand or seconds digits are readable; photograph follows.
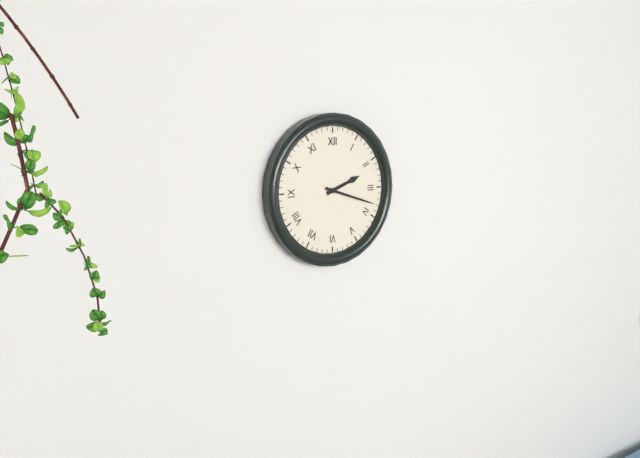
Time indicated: 2:18
